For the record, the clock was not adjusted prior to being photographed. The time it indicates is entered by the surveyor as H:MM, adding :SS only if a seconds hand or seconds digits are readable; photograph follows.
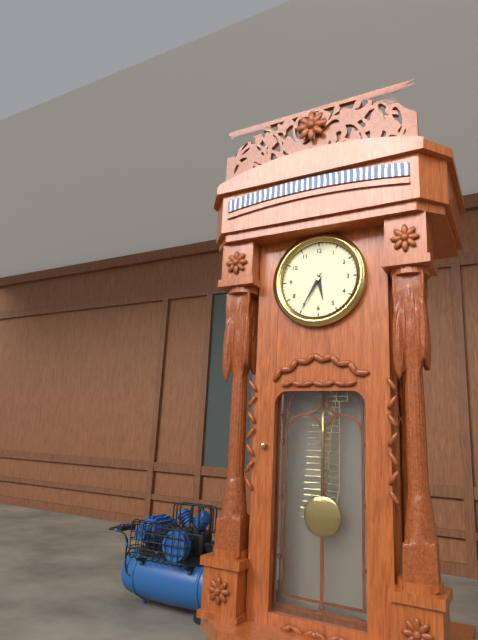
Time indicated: 5:35
